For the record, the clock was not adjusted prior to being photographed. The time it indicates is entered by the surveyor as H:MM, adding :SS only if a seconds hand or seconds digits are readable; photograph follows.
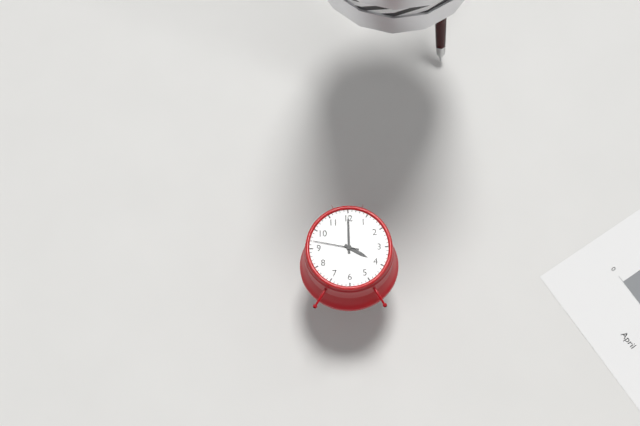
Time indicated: 4:00
